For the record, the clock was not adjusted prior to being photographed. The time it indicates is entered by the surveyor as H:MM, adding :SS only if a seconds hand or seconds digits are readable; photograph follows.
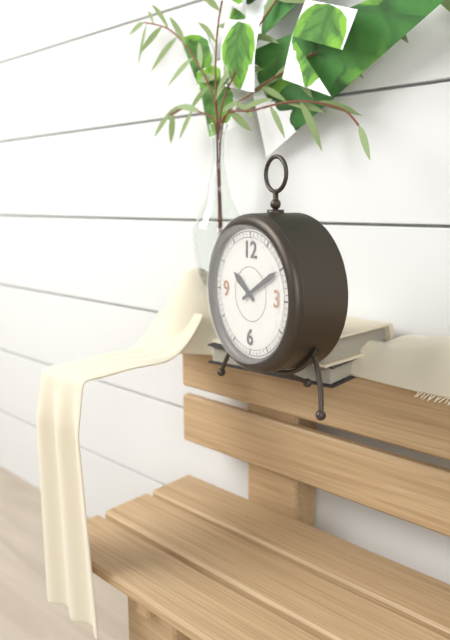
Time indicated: 10:10
